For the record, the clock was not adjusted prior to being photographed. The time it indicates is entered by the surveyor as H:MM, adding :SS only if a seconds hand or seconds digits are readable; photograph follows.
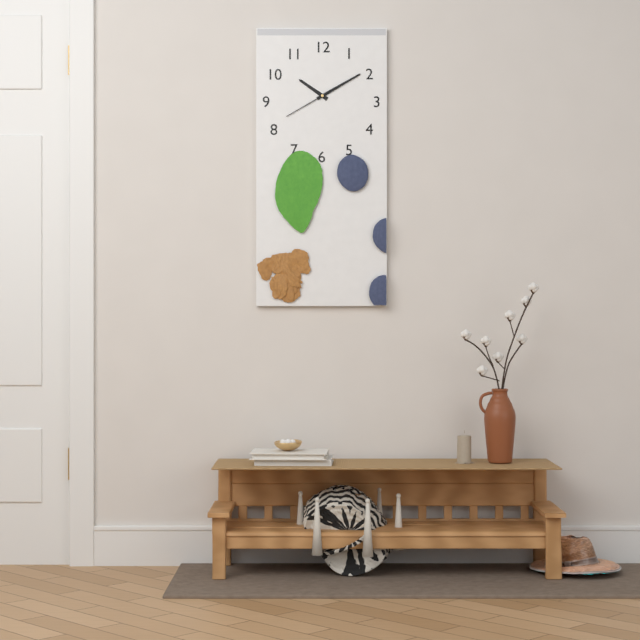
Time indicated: 10:10:40
